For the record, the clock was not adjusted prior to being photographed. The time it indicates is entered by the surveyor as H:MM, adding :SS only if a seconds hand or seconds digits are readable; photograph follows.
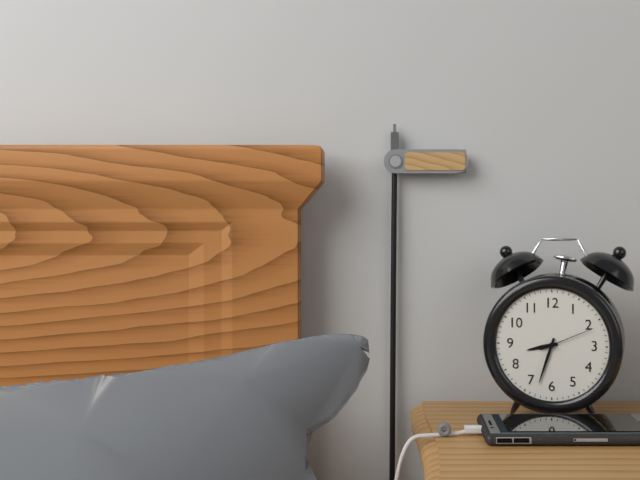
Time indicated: 8:33:11
